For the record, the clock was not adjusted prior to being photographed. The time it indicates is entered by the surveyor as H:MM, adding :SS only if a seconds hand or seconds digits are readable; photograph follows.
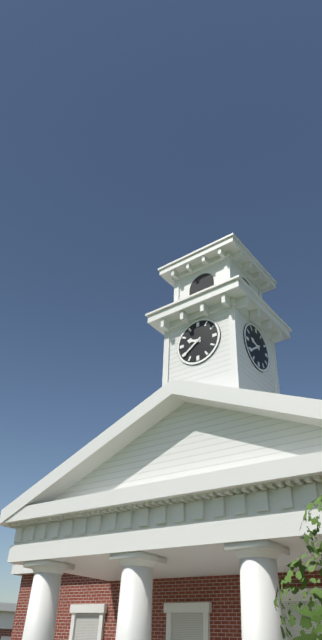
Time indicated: 9:39
